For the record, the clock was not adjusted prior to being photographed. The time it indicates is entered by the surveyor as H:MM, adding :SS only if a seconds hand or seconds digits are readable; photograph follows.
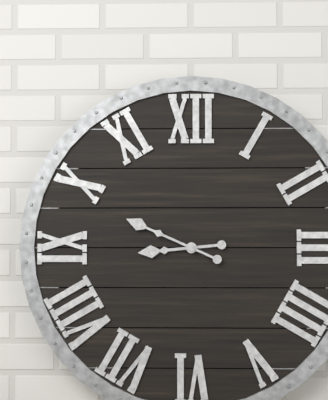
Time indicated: 8:49
